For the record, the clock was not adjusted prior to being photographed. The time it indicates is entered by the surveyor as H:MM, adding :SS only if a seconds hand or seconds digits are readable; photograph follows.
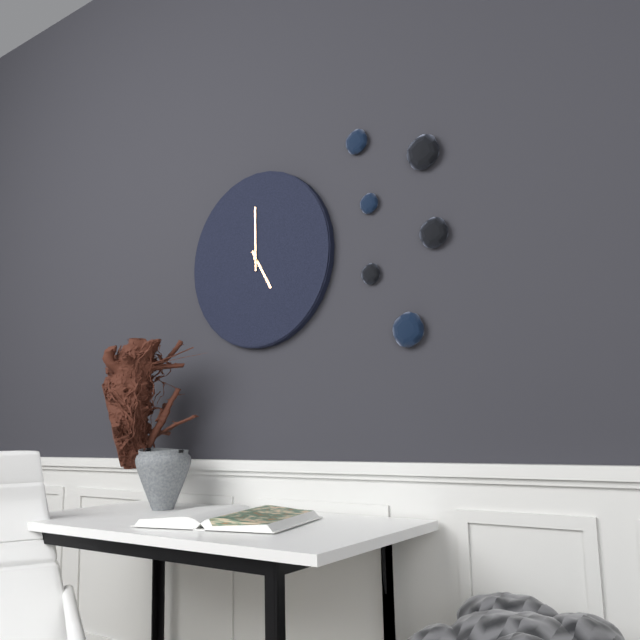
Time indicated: 5:00
